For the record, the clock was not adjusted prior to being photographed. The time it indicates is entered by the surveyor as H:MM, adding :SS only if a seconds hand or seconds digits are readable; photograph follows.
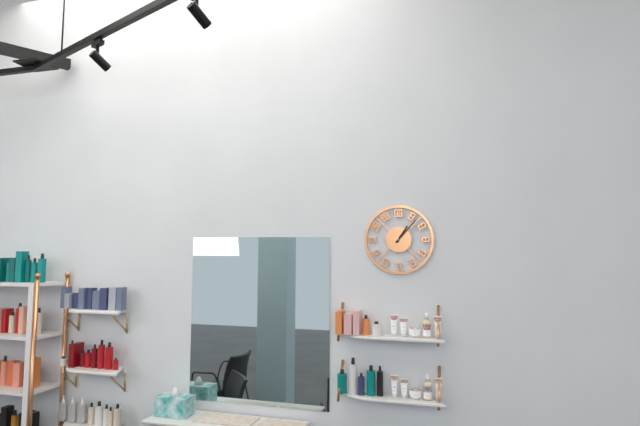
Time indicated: 1:07
